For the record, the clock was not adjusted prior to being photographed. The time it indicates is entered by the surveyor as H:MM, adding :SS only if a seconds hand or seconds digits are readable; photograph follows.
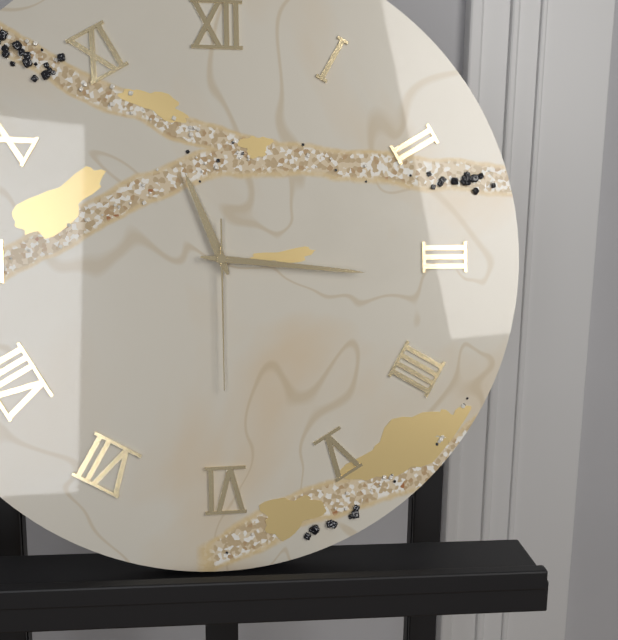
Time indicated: 11:16:30
